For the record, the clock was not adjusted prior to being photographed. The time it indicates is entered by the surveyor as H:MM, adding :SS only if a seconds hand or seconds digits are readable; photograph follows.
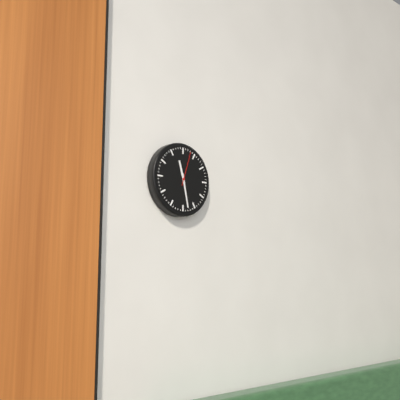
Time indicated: 11:28
